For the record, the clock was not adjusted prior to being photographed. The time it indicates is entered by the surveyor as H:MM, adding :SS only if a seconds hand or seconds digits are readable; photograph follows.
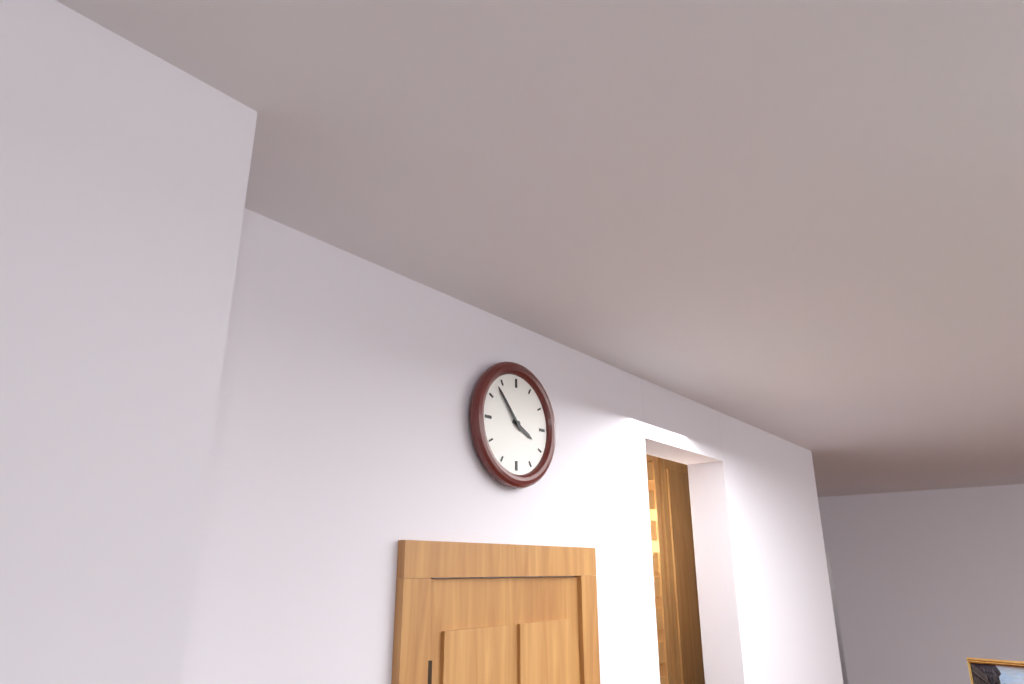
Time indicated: 3:53
